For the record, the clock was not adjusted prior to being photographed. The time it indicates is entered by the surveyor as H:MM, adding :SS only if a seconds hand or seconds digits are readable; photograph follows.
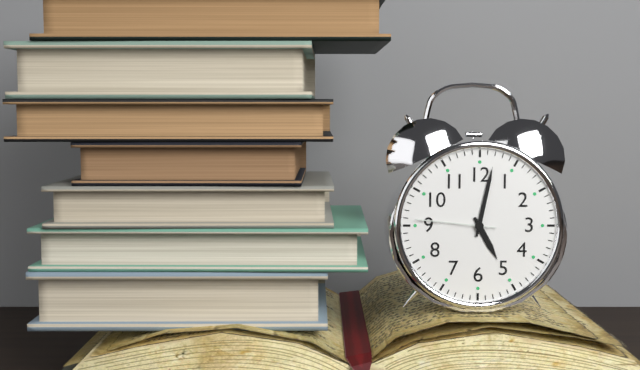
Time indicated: 5:02:46
